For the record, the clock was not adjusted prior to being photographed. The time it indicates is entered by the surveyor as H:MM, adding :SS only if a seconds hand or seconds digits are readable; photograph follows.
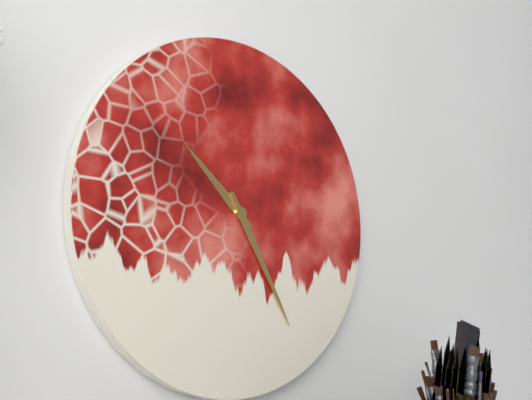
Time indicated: 10:25
